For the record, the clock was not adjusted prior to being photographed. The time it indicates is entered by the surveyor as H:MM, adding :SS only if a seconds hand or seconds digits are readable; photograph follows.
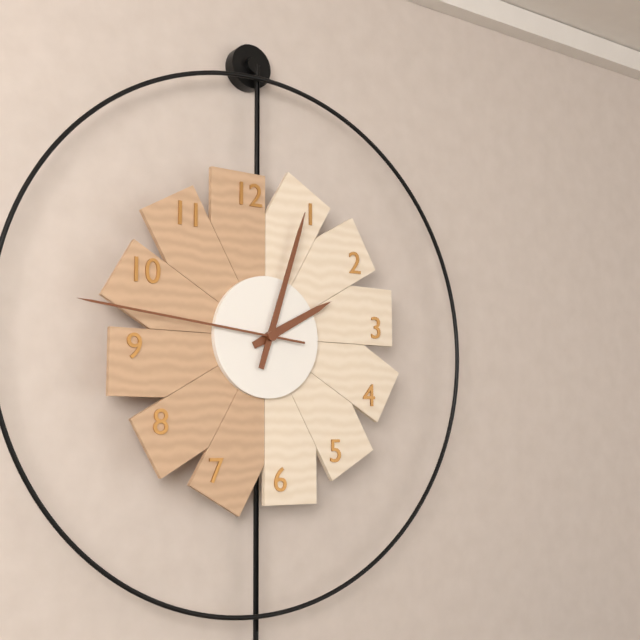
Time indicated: 2:03:46
